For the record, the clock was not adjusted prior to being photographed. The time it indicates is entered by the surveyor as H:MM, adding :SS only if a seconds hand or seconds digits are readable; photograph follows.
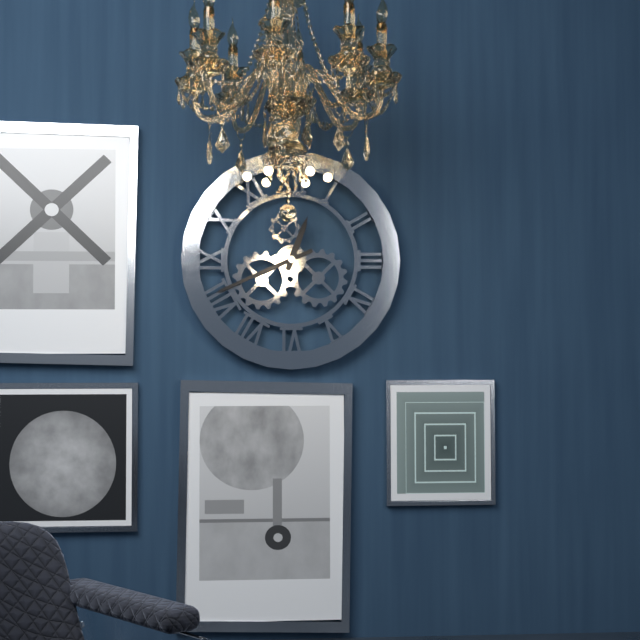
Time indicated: 12:41
